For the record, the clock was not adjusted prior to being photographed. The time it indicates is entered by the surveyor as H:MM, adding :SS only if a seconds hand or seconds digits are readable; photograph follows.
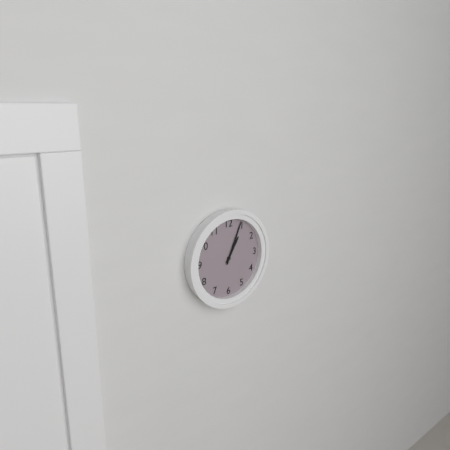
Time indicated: 1:04
